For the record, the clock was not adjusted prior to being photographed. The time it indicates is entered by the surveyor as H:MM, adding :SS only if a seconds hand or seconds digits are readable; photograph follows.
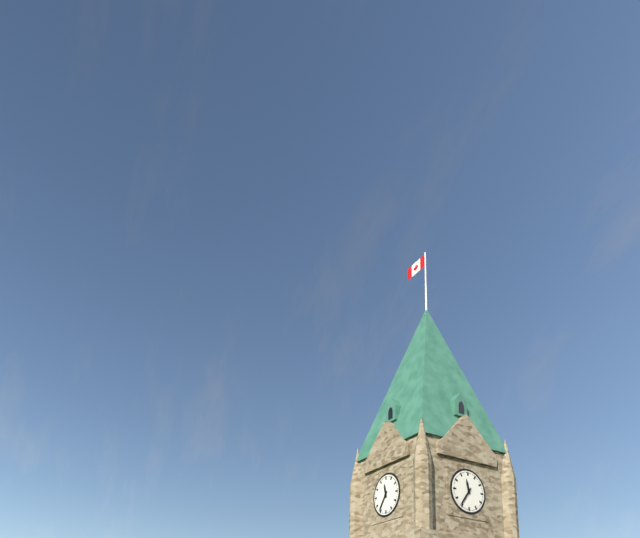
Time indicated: 11:36
